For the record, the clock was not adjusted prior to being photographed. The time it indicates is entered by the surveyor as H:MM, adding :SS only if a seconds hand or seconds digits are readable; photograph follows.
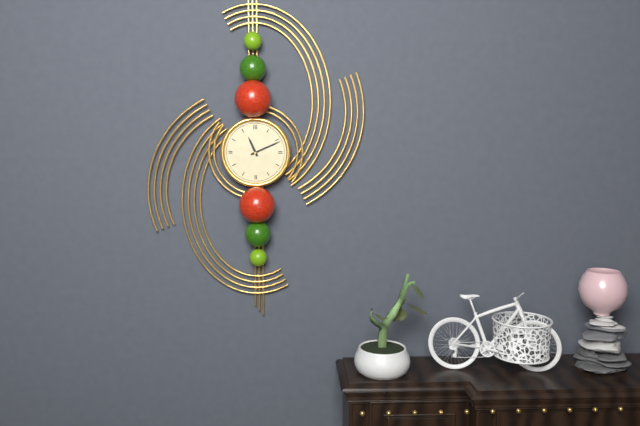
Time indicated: 11:11
